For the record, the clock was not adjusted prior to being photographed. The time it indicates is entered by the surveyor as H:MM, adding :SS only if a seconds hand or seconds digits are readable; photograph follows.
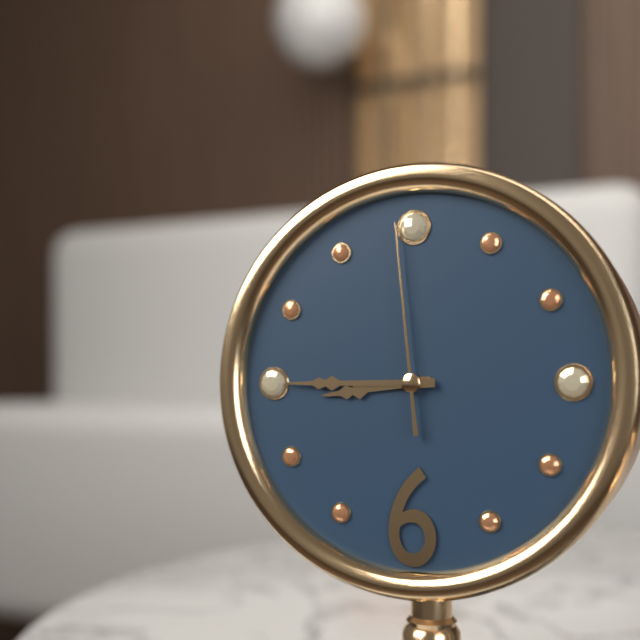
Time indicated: 8:45:59
